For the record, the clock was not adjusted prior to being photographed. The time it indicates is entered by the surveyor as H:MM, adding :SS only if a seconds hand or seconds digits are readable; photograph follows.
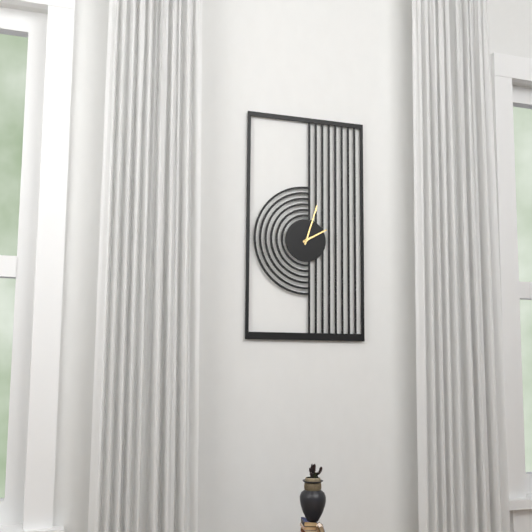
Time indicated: 2:03
